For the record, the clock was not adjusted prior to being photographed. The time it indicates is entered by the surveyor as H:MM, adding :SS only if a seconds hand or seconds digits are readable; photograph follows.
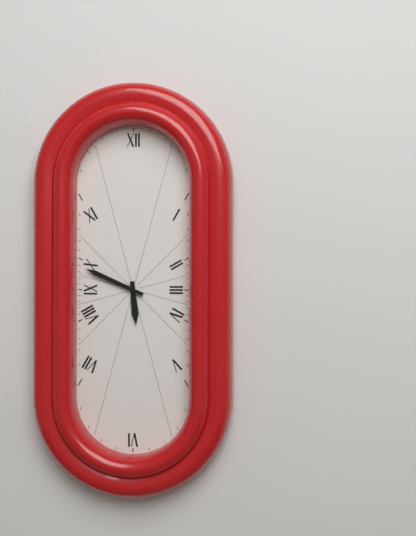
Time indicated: 5:49
